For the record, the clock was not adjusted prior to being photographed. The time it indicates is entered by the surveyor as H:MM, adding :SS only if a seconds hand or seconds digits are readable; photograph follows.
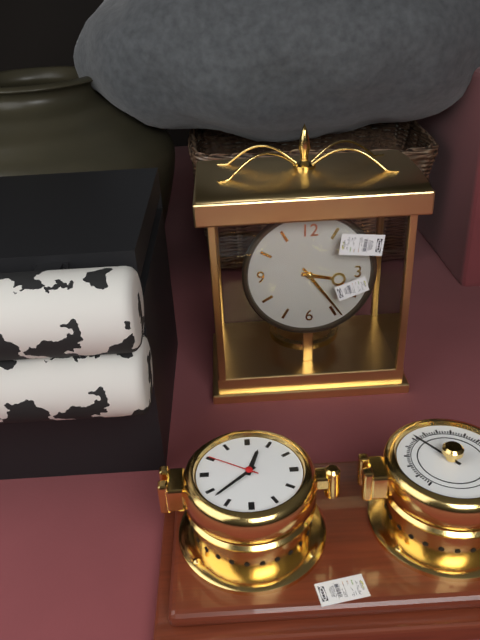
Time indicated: 3:24
